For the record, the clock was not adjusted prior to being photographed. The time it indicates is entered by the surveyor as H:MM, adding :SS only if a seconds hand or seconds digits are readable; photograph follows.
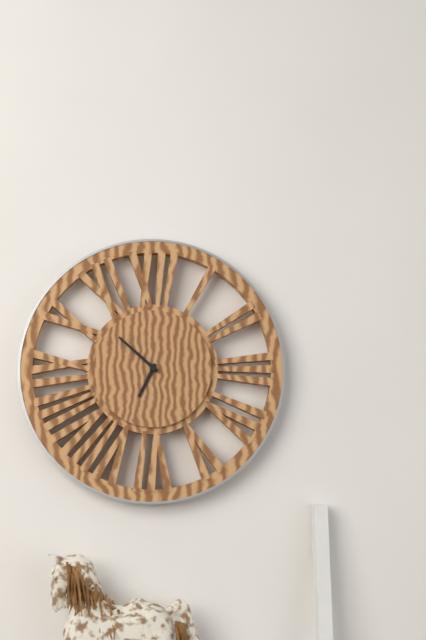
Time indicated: 6:52
